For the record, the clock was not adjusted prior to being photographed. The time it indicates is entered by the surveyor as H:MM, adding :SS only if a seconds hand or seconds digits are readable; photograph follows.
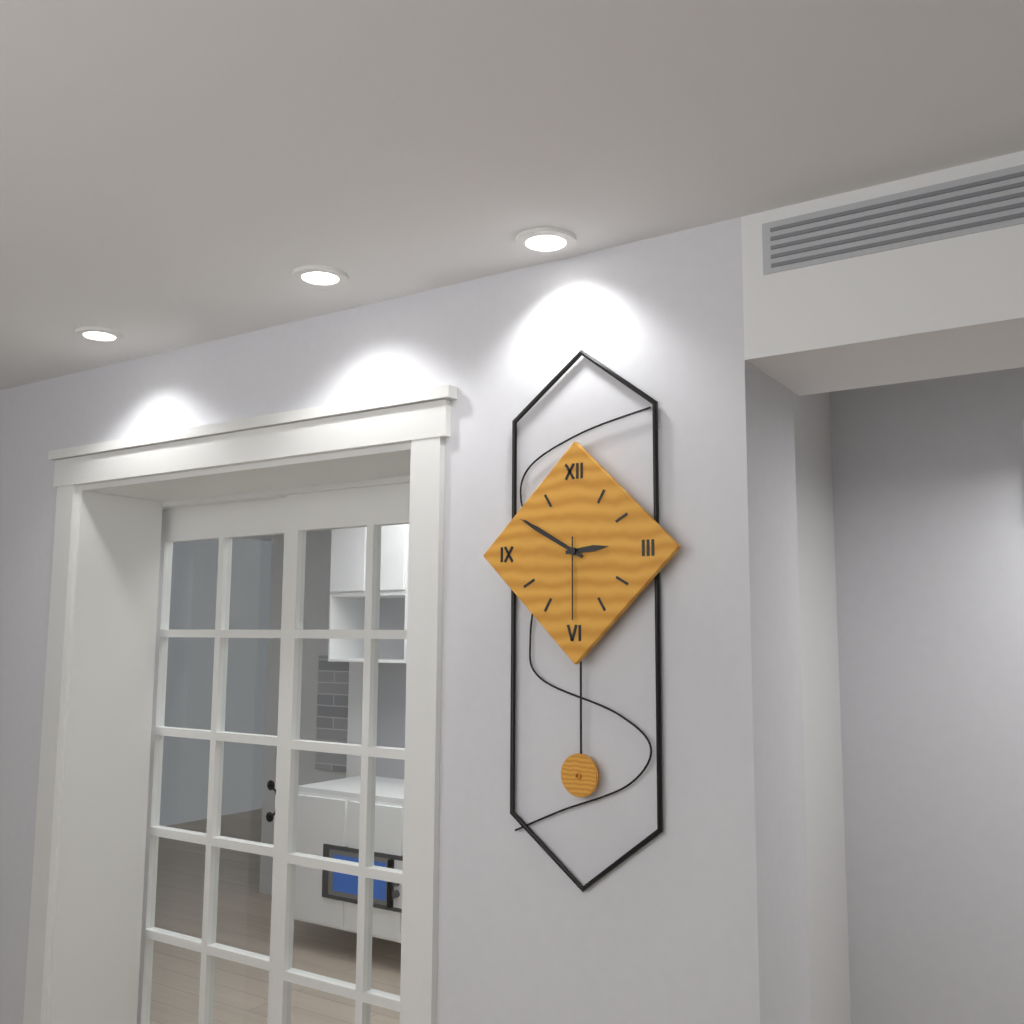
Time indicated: 2:50:30
